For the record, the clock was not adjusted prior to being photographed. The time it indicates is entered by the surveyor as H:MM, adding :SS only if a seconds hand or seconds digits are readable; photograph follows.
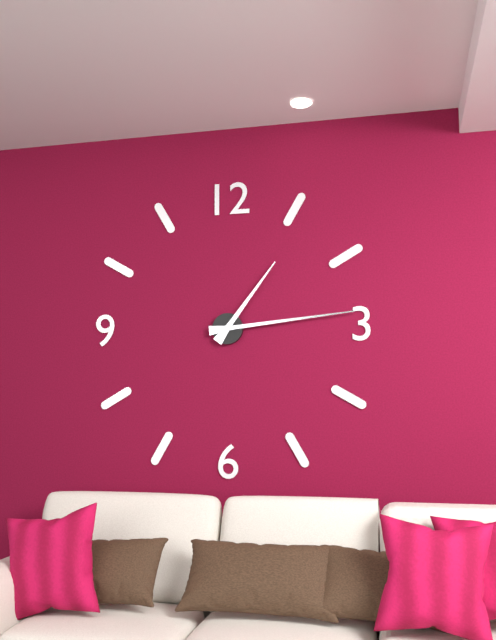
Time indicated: 1:14
